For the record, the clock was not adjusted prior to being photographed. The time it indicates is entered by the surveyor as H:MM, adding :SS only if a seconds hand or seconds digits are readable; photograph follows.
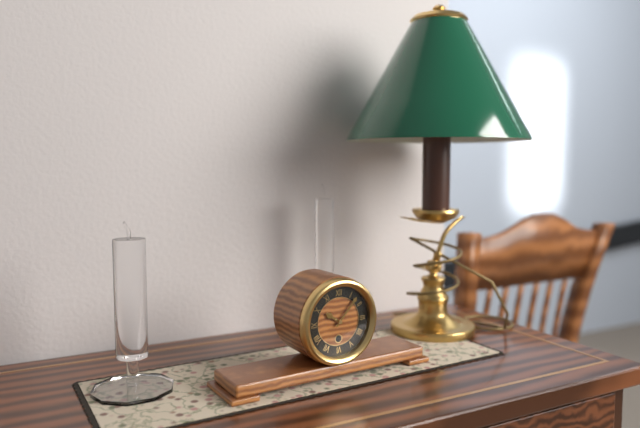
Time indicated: 10:07
